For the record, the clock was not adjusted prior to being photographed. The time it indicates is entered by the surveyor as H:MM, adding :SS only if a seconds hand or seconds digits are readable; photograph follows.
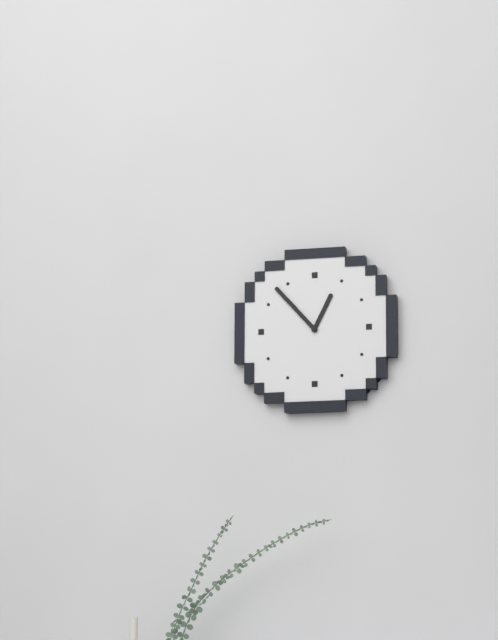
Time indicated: 12:53
